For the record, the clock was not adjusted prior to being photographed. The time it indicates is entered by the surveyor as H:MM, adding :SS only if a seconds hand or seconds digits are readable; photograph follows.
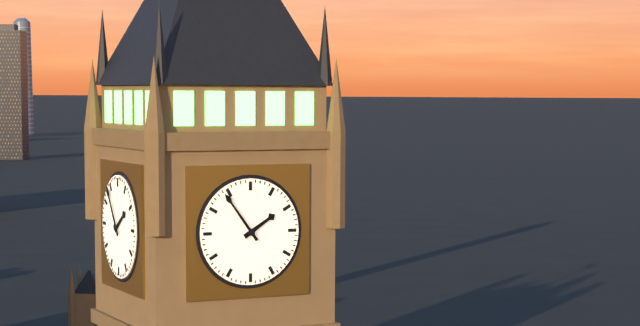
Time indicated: 1:54
